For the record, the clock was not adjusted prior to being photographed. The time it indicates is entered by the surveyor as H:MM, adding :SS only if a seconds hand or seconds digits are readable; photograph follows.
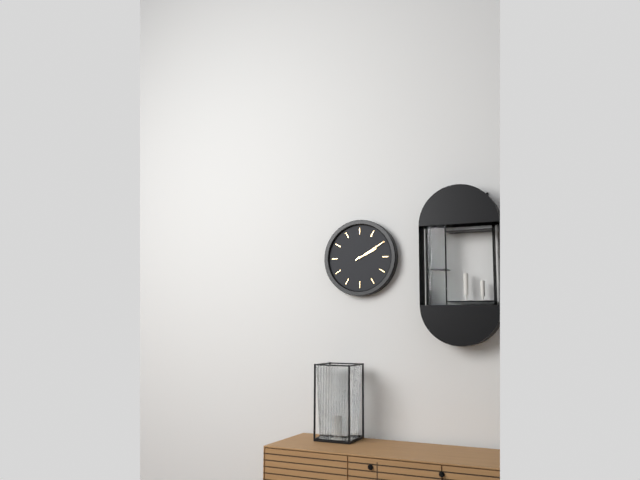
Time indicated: 2:10
